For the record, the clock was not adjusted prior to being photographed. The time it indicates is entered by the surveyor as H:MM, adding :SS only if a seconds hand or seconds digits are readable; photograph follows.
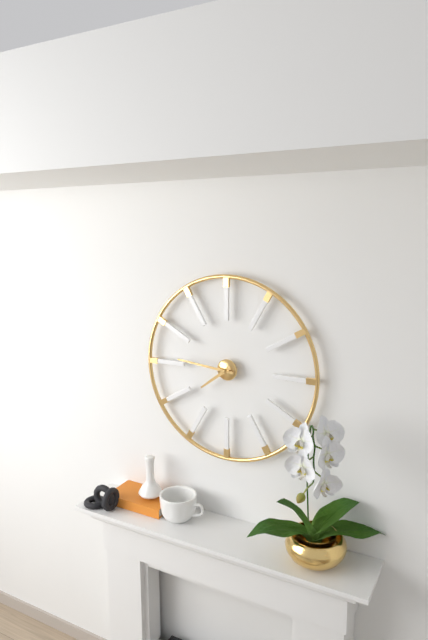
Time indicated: 7:46
